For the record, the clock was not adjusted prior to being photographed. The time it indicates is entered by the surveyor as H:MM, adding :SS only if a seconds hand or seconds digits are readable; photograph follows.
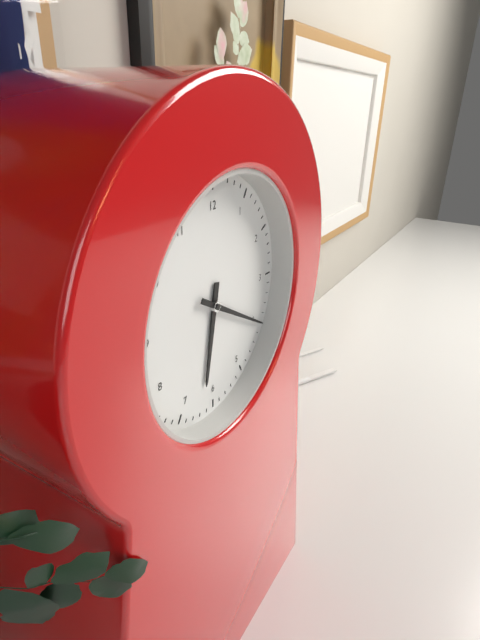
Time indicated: 6:20
